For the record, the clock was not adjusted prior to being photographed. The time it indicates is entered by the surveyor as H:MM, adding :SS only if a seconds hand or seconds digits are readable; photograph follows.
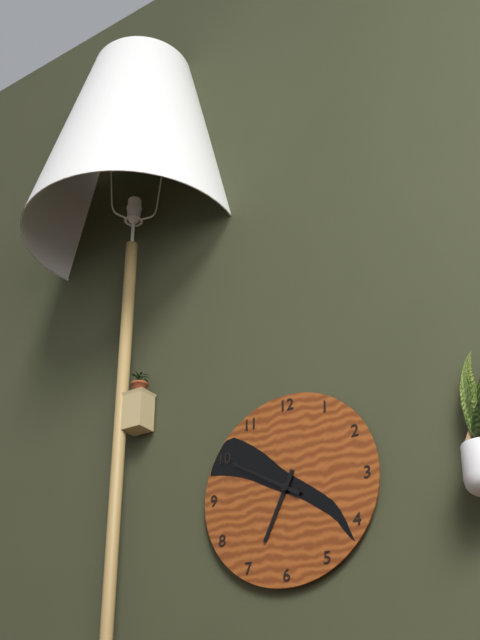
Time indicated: 6:50
